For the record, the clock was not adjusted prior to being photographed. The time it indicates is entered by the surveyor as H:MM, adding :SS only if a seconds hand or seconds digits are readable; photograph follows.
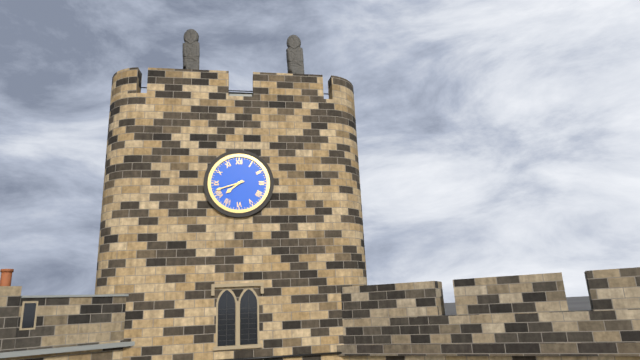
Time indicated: 7:42
